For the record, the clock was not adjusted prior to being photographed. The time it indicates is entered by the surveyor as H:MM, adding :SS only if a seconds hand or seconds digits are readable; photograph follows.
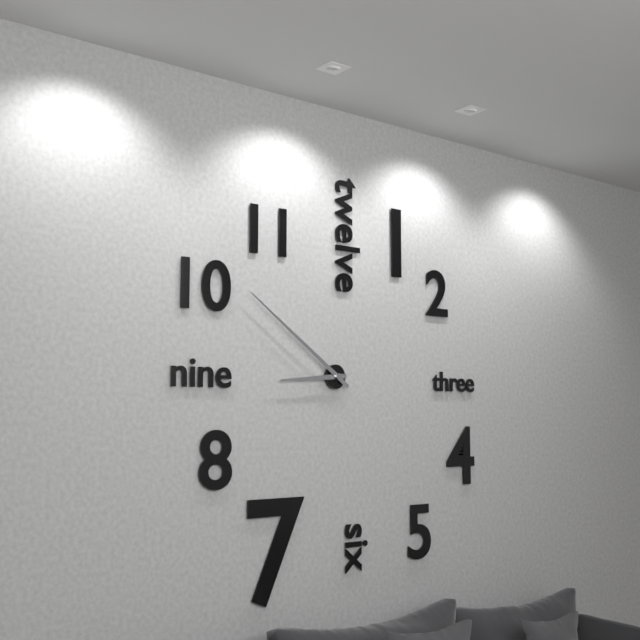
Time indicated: 8:51
